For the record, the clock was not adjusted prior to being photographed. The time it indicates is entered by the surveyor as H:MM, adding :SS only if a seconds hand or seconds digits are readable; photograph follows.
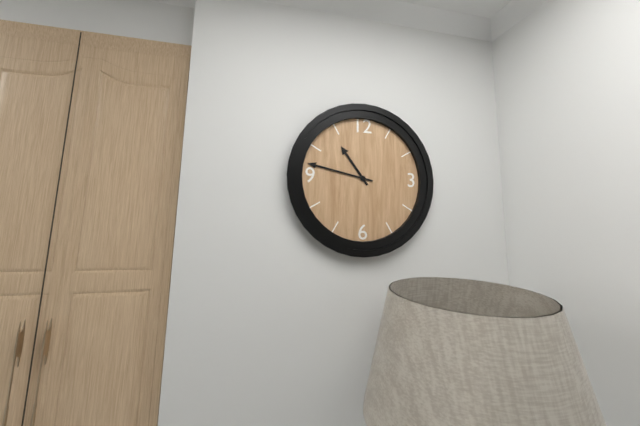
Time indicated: 10:47
